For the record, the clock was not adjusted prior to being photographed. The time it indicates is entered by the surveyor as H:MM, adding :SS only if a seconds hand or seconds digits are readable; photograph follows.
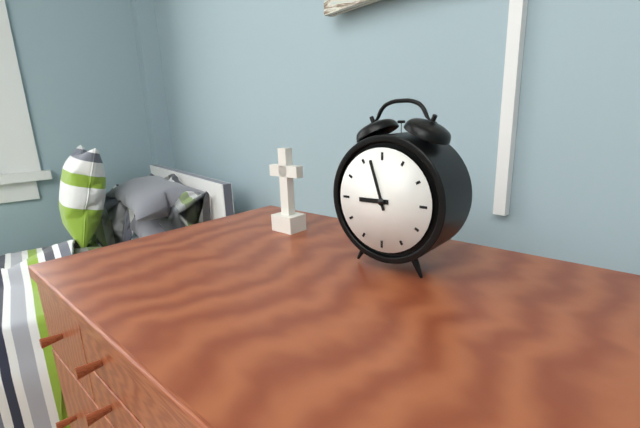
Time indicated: 8:57
